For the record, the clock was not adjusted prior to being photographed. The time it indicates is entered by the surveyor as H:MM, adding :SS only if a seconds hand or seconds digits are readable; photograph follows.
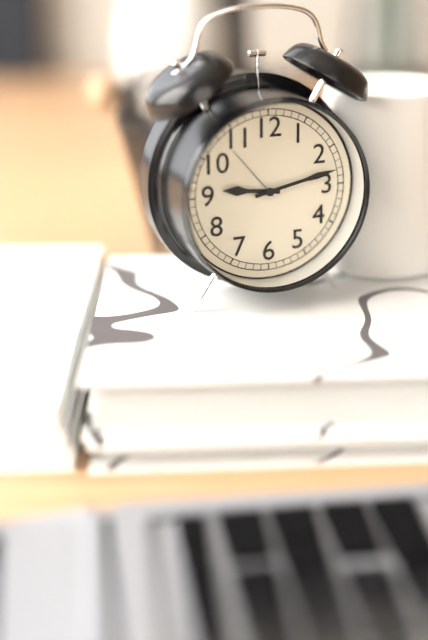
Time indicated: 9:13
